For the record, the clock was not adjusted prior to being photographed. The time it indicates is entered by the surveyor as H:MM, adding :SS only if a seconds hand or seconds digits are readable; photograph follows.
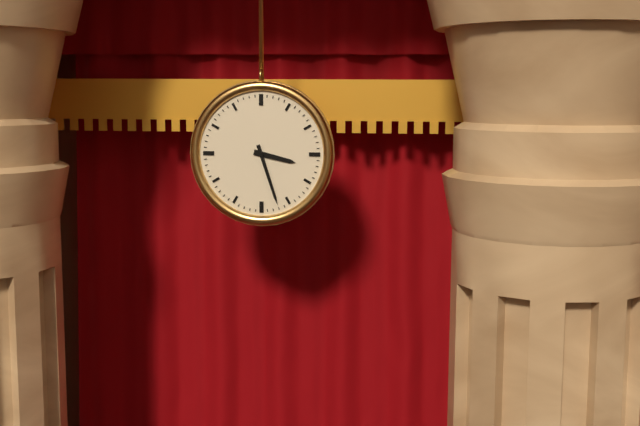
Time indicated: 3:27
